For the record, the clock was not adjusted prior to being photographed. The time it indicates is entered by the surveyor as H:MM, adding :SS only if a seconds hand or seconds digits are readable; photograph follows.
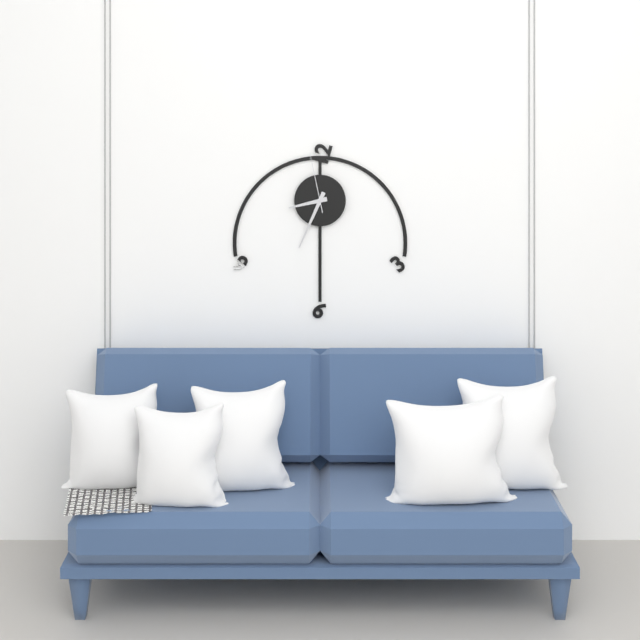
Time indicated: 8:34:58
